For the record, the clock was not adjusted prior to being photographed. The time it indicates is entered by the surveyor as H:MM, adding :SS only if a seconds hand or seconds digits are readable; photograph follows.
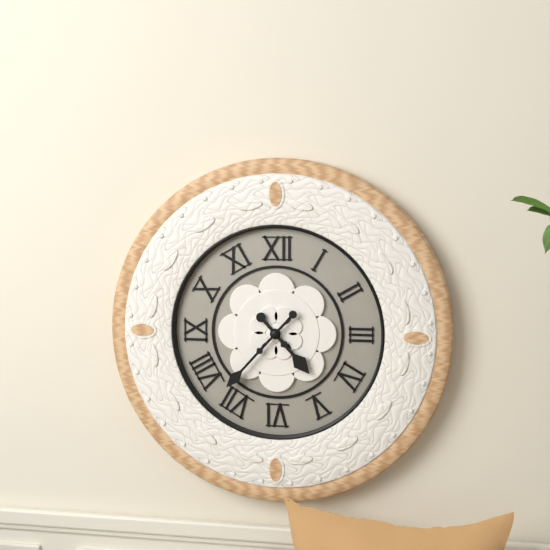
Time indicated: 4:37
